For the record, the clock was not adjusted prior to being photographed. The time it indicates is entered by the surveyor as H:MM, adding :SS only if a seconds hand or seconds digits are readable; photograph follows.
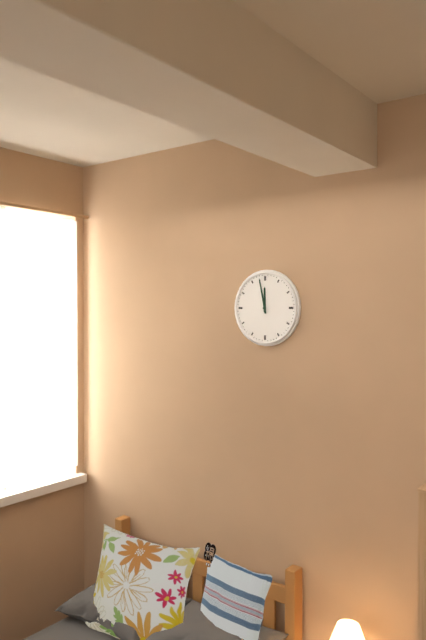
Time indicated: 11:58
